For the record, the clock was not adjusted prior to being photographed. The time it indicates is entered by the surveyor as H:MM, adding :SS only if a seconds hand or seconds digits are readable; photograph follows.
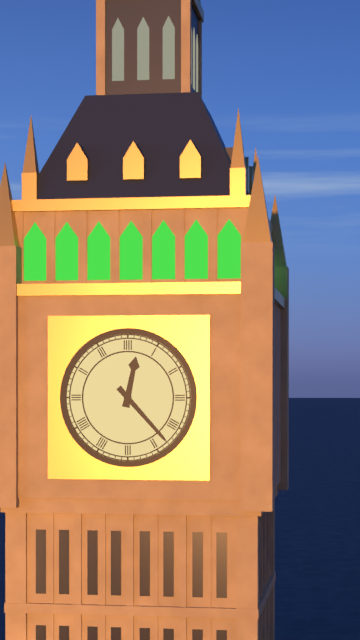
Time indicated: 12:23
